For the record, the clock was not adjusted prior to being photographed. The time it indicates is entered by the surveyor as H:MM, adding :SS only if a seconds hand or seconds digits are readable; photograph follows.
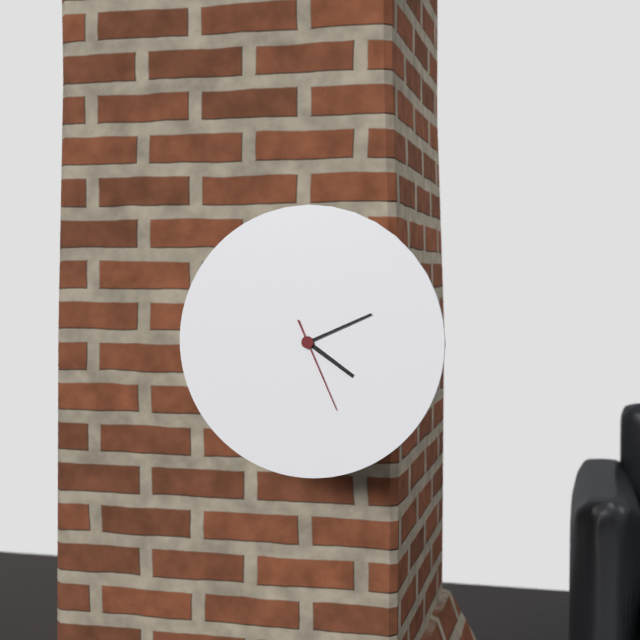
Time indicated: 4:11:26
